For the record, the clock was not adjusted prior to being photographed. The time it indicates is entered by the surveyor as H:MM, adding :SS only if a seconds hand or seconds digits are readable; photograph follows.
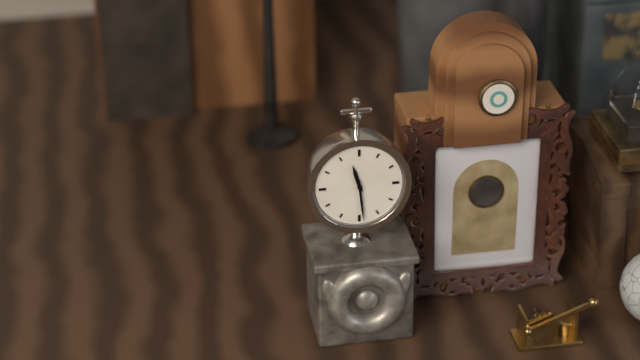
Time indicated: 11:29
